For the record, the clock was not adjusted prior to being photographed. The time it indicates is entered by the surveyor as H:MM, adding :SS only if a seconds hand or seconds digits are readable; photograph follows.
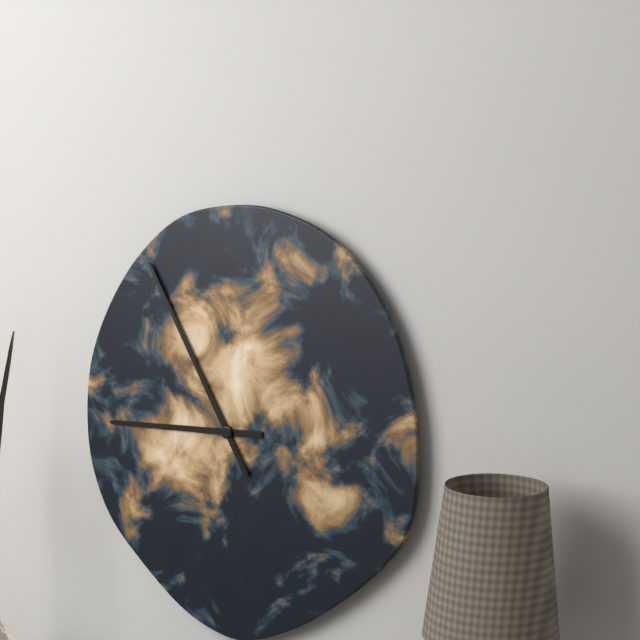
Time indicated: 8:55
